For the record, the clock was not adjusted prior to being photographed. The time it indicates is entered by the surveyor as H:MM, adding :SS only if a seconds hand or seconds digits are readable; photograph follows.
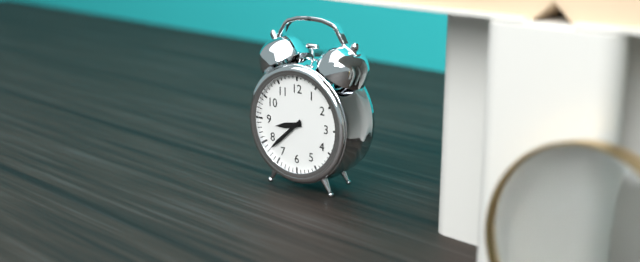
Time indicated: 8:38
